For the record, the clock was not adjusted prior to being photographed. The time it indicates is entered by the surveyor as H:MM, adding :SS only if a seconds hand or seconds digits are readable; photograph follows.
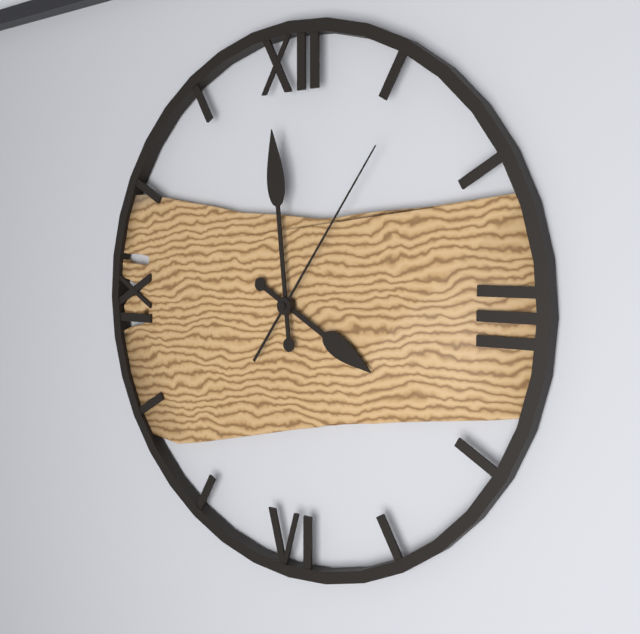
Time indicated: 3:59:06
